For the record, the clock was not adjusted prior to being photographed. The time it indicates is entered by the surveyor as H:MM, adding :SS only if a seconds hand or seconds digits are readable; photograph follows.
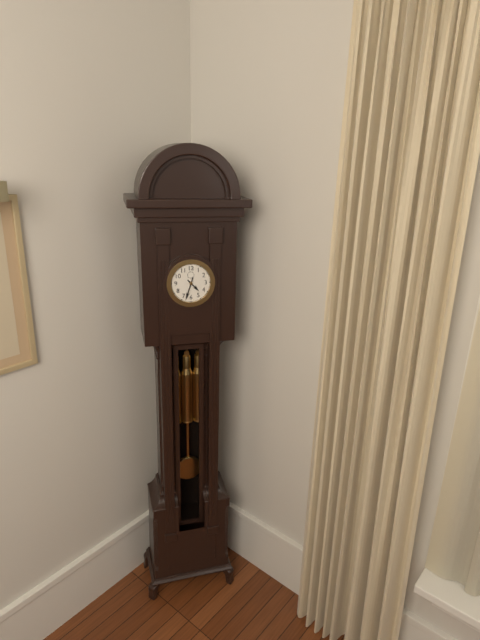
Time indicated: 4:33
